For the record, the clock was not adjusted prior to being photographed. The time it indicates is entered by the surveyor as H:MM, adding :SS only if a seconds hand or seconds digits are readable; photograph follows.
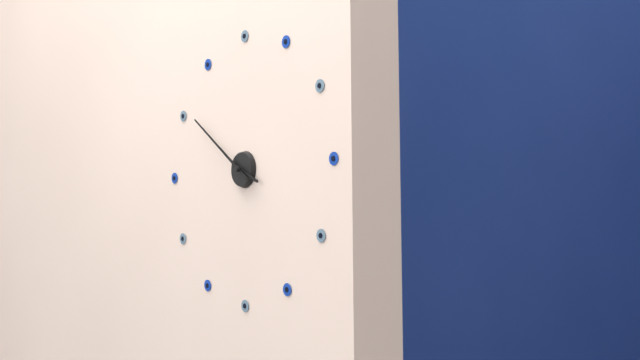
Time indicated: 3:51
